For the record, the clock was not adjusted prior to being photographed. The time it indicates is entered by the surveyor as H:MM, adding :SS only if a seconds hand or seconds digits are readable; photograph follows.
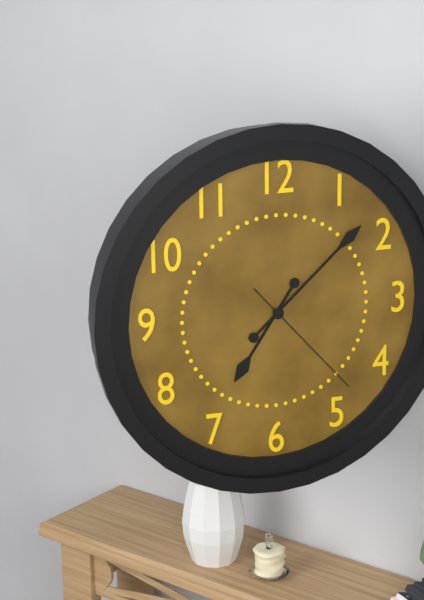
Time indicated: 7:08:23
